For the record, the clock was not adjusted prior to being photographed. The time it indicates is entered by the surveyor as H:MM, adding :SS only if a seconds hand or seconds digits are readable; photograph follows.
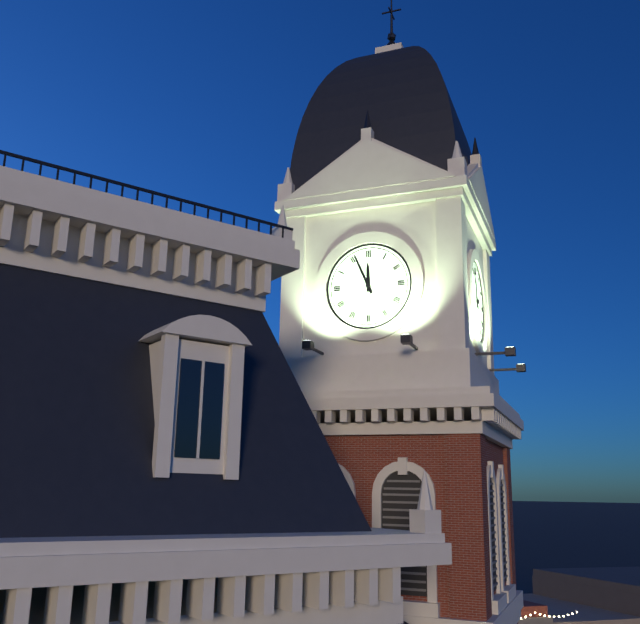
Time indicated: 11:56
